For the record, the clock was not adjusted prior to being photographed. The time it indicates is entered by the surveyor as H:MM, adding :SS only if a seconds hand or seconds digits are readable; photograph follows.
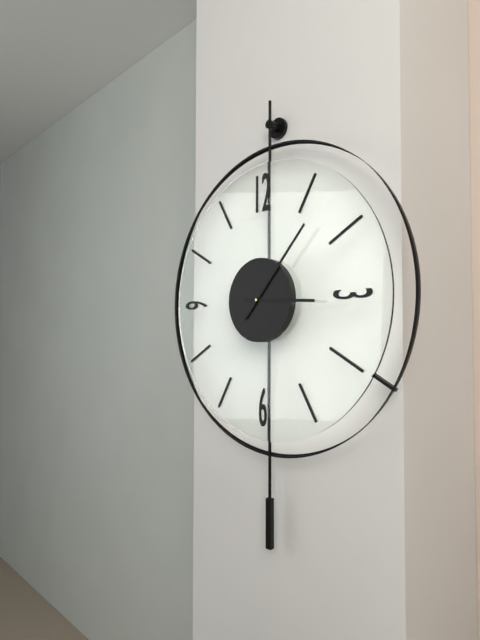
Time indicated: 3:07
